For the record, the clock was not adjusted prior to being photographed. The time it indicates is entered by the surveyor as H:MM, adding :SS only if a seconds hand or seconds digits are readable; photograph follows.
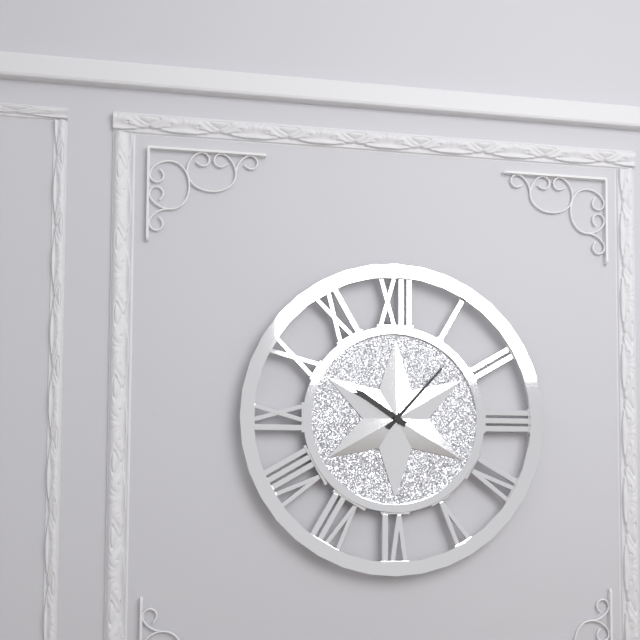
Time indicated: 10:07
